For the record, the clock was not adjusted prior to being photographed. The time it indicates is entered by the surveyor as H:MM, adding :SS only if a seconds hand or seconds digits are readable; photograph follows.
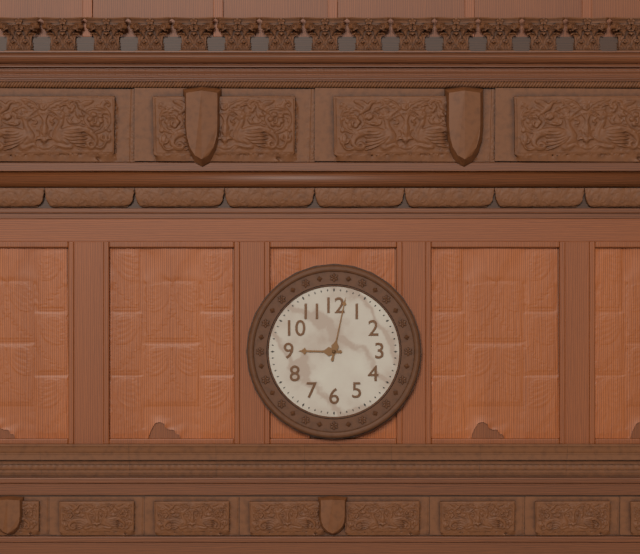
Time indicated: 9:02
